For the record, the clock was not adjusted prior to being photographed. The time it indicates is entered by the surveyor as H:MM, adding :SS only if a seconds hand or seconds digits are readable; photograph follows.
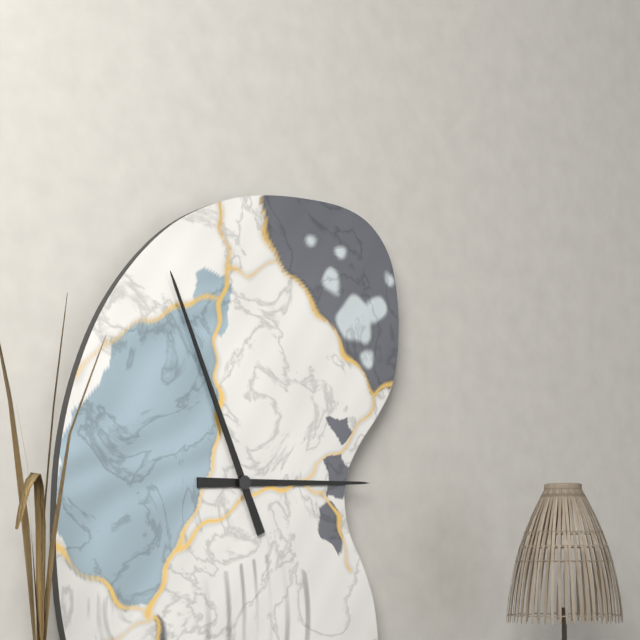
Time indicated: 2:56
